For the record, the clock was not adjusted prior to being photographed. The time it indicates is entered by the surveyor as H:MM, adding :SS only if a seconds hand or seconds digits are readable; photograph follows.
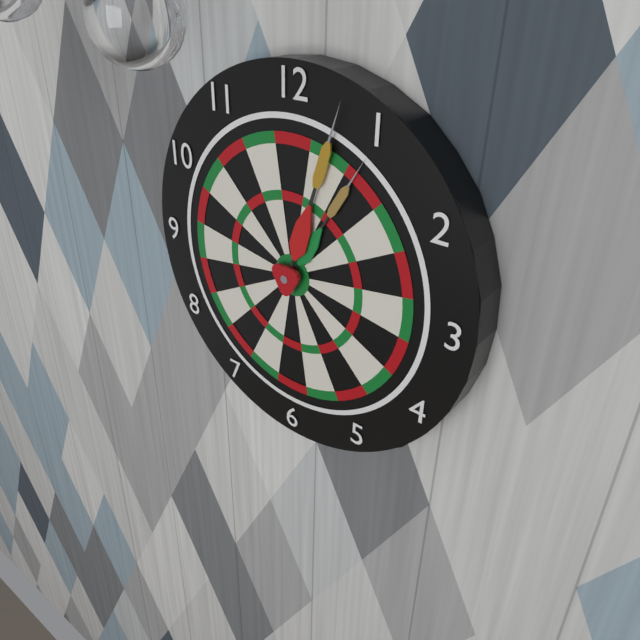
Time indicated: 1:03
